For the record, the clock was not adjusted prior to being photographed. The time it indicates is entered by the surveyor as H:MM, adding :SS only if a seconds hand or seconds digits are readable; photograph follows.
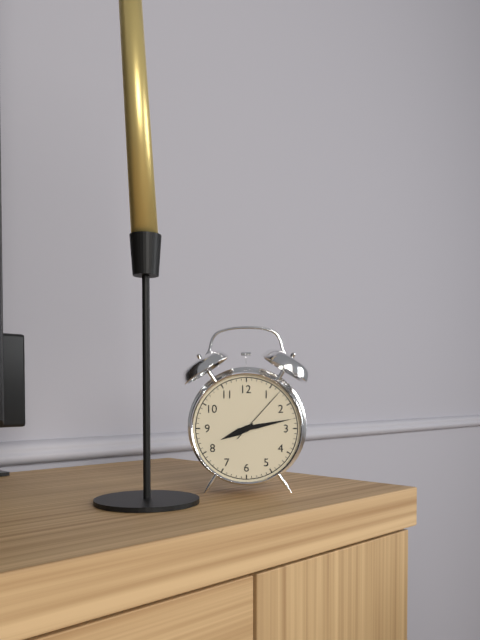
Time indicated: 8:13:07
